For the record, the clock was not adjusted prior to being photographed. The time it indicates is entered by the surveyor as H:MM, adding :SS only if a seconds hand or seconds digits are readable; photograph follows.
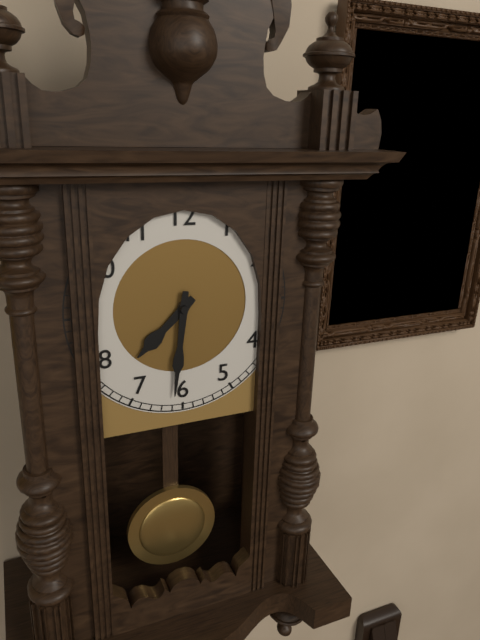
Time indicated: 7:31
